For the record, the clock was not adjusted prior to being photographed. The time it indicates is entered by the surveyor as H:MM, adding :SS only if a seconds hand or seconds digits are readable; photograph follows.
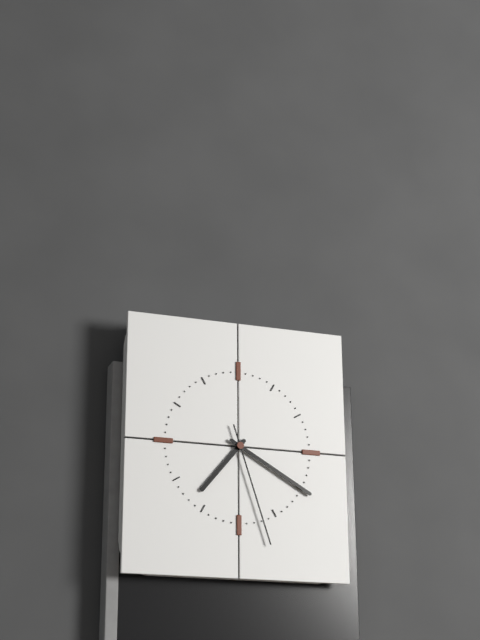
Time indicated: 7:20:27
